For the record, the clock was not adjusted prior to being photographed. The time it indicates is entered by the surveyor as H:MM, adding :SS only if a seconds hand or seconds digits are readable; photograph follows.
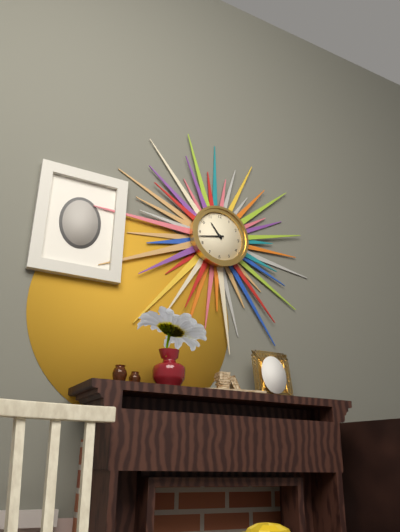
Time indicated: 10:43
